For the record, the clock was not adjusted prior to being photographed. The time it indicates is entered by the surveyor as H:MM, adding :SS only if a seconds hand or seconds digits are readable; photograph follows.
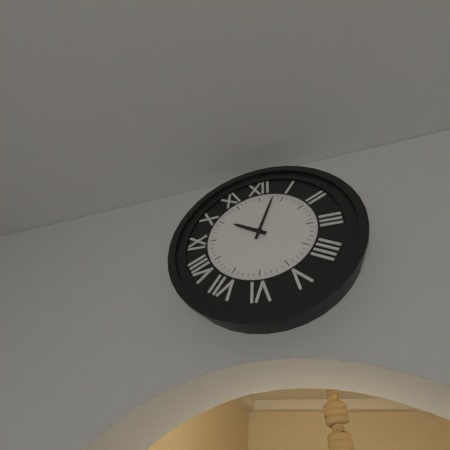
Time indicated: 10:03
